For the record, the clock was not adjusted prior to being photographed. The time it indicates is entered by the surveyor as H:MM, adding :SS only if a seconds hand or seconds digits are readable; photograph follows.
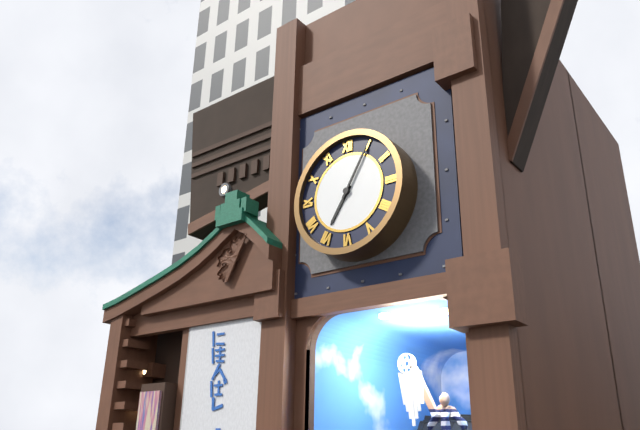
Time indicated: 7:05
